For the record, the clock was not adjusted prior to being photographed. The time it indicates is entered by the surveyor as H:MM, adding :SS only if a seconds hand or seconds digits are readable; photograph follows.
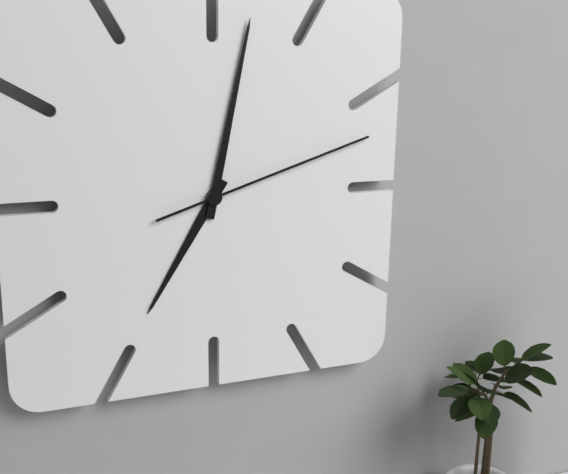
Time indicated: 7:02:12
